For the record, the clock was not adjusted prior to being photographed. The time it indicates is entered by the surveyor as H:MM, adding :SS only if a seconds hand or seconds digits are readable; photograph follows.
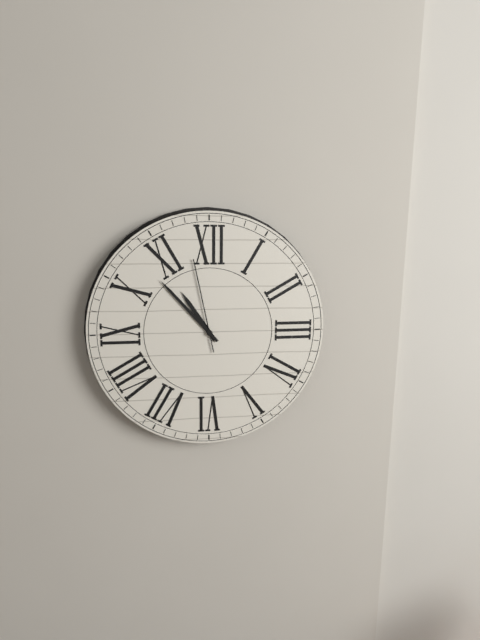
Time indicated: 10:53:58
